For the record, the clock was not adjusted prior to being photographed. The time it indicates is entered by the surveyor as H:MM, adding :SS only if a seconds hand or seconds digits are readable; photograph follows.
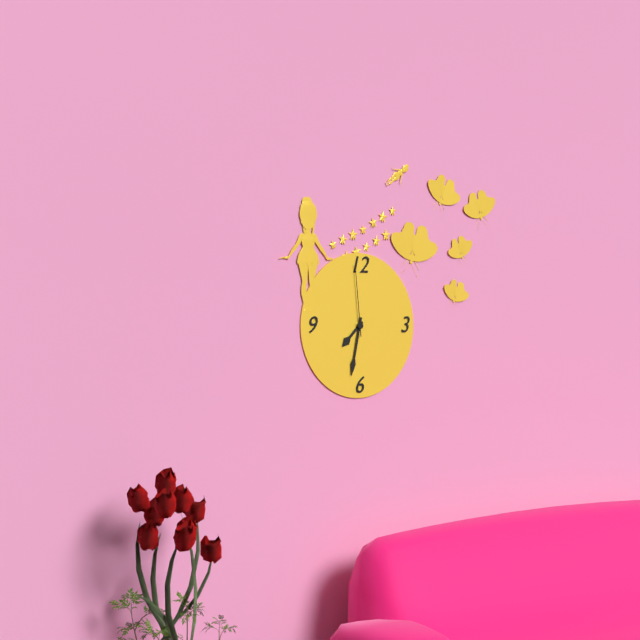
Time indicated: 7:32:59
